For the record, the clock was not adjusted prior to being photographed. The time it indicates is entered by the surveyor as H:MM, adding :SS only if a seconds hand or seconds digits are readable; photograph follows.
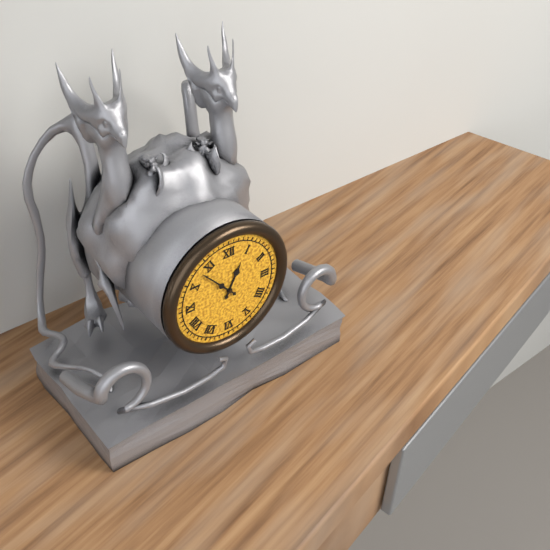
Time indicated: 12:53
